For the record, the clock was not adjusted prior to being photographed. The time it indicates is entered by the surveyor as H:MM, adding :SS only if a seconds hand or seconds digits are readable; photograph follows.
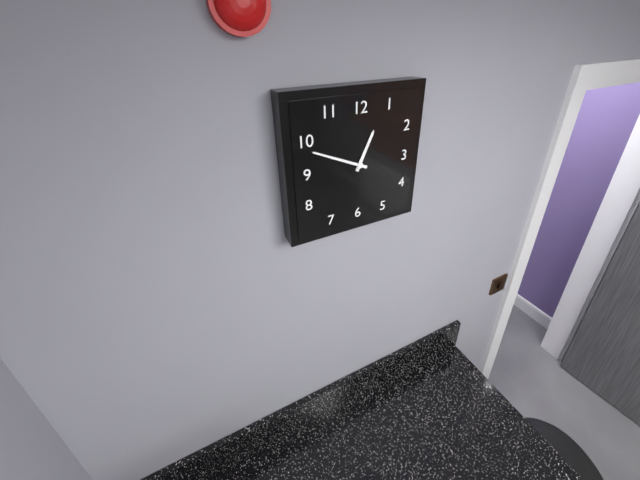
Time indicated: 12:49
